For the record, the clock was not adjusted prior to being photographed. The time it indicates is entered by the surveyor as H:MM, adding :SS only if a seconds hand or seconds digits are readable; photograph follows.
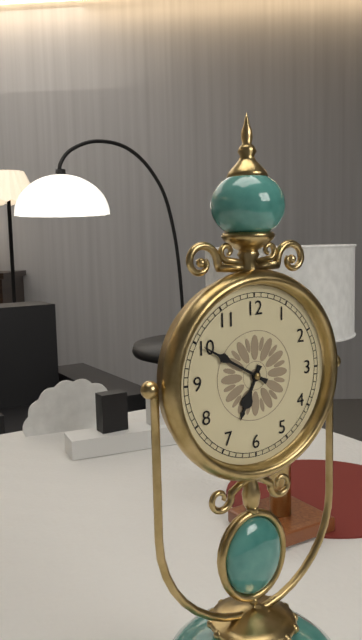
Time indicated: 6:50
